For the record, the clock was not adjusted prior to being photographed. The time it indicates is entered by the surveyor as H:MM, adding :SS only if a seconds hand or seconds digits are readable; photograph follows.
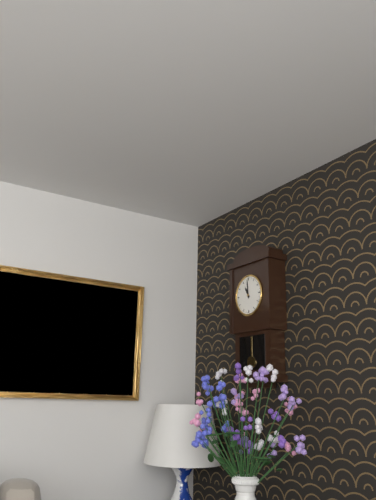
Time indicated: 10:59
